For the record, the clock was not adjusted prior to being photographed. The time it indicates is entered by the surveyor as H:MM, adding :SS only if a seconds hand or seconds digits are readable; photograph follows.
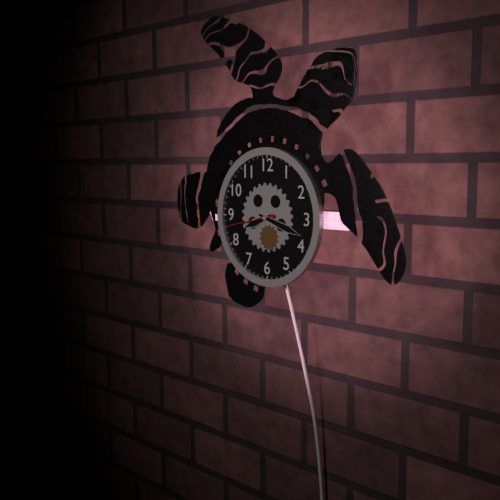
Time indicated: 8:18:43
